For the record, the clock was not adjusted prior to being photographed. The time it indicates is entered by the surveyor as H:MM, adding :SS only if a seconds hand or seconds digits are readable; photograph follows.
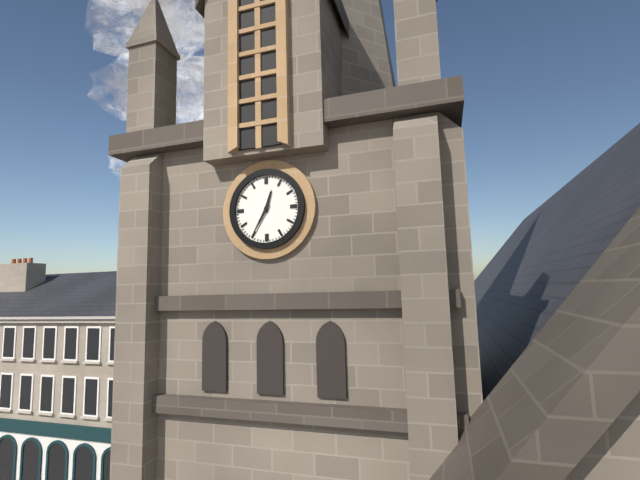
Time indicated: 12:35
